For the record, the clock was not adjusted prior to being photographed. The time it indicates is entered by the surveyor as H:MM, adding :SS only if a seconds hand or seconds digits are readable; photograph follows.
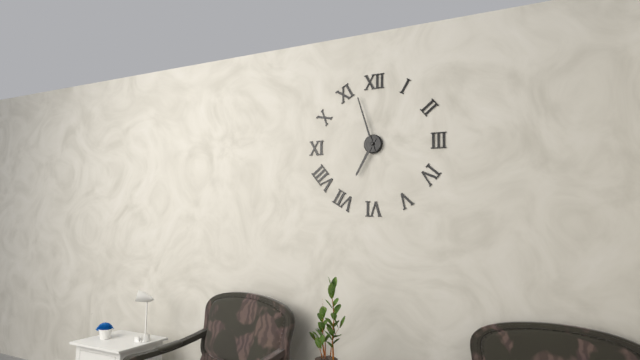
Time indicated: 6:57
